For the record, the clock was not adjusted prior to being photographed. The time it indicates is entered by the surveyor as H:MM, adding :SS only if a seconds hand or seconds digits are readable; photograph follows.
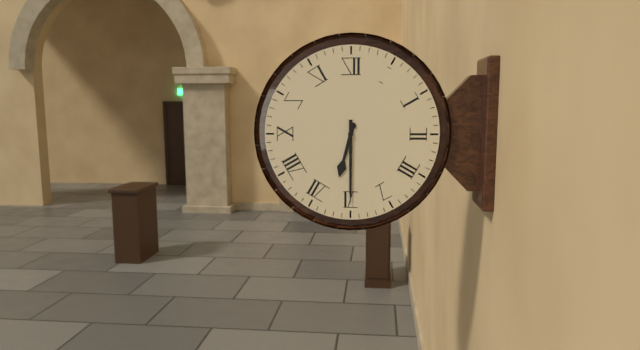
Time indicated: 6:30
